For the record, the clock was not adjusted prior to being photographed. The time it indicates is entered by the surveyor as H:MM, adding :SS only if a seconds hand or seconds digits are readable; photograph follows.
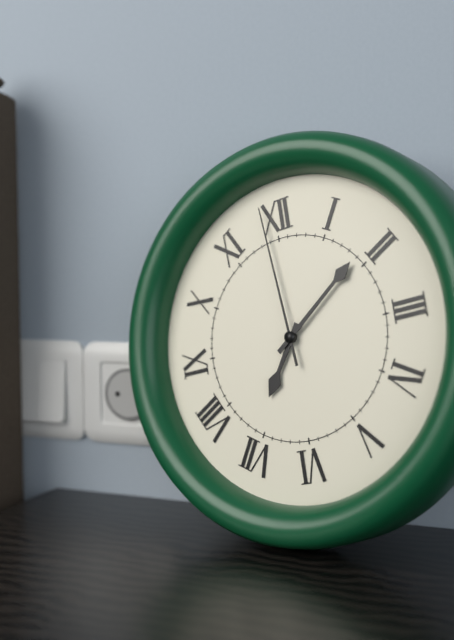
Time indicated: 7:09:59
